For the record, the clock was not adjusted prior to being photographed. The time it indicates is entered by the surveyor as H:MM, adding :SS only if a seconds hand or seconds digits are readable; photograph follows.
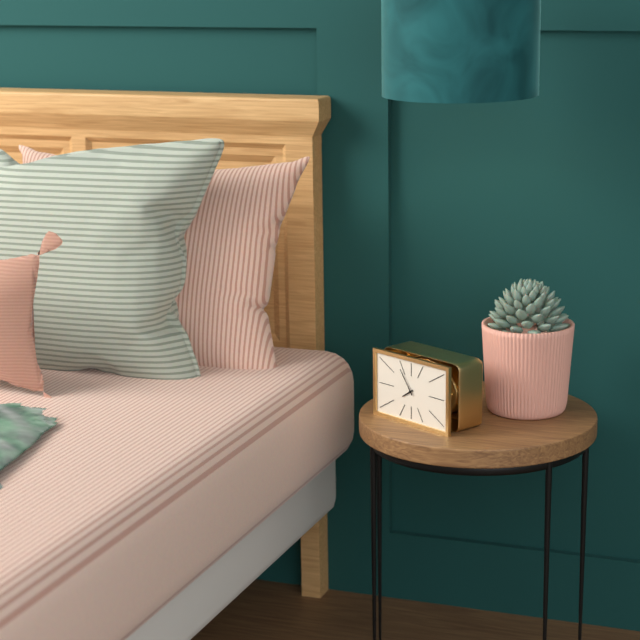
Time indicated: 7:54
